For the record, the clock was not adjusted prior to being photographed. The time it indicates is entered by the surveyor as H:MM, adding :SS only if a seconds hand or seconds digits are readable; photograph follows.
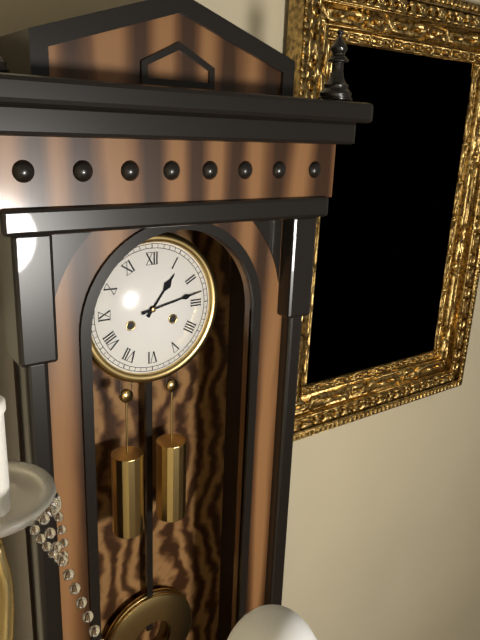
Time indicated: 1:13
